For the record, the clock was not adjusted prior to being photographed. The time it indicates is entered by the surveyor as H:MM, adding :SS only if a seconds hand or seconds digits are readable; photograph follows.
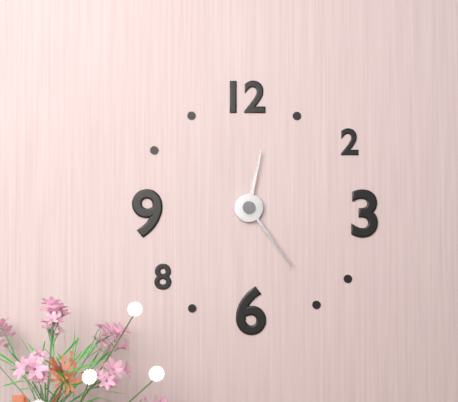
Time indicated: 12:24
